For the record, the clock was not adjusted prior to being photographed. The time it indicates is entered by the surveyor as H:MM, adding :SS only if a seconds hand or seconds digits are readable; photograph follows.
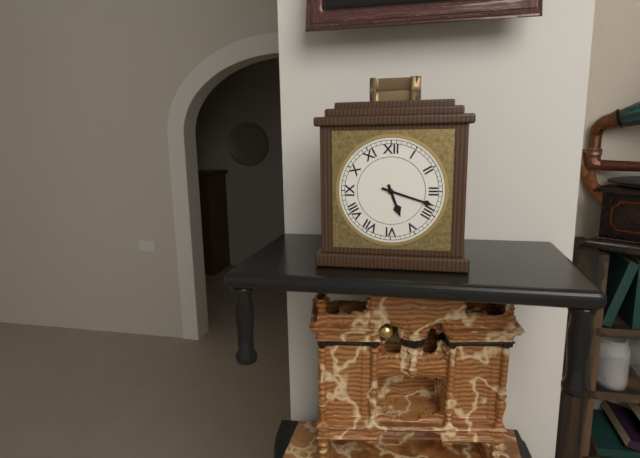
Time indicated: 5:18
